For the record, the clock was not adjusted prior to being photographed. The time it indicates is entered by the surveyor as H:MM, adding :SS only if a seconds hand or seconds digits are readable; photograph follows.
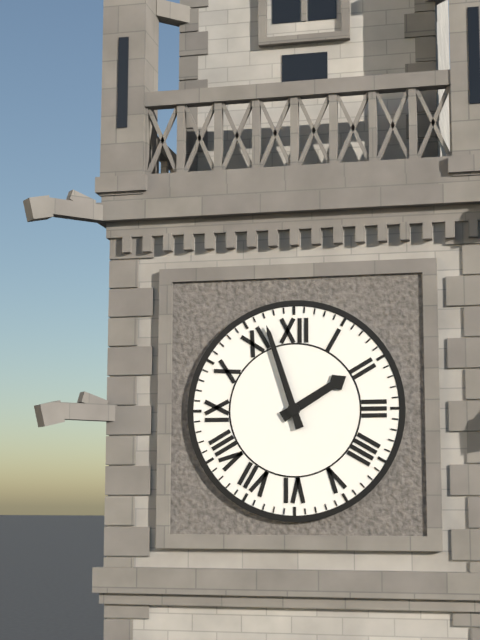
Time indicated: 1:57
